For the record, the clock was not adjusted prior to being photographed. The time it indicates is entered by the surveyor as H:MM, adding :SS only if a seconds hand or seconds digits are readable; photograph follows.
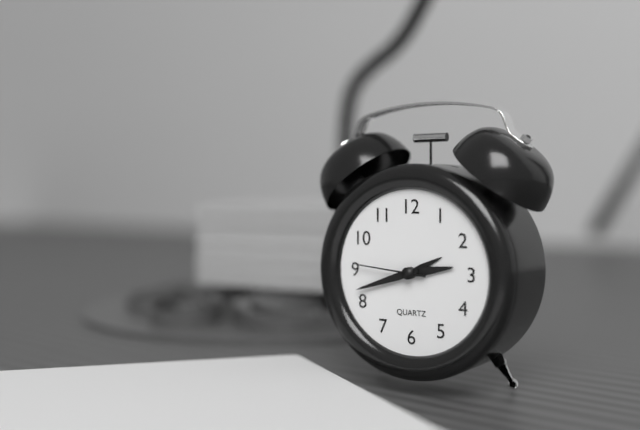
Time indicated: 2:42:46
